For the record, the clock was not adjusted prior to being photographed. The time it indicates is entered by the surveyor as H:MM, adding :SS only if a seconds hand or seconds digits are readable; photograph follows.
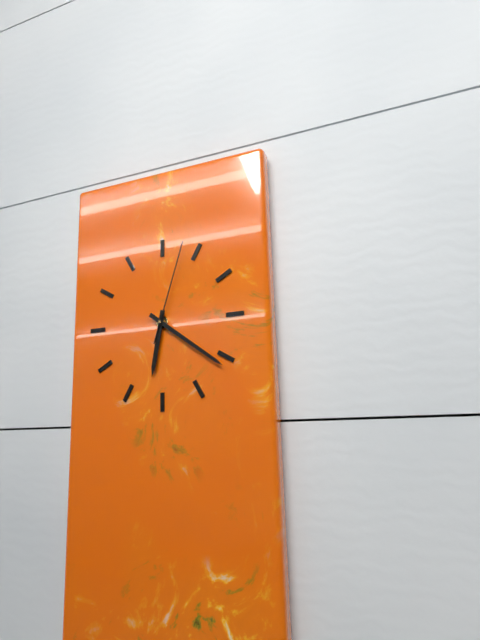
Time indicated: 6:21:03
